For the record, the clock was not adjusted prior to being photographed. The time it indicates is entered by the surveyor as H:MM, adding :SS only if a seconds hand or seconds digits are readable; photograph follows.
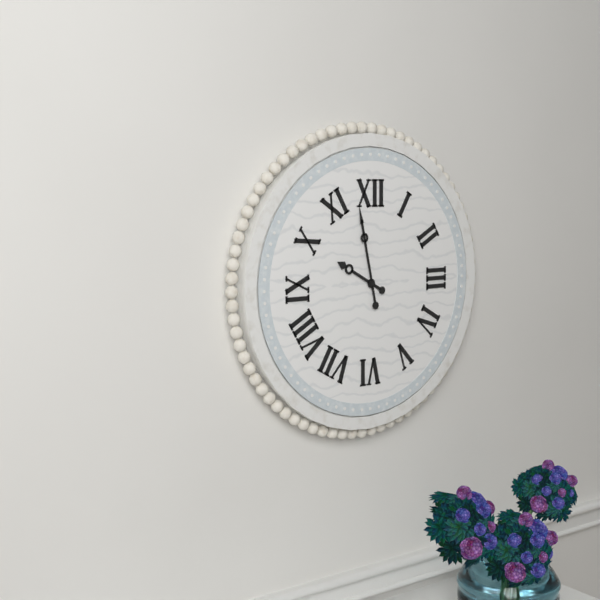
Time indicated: 9:58
